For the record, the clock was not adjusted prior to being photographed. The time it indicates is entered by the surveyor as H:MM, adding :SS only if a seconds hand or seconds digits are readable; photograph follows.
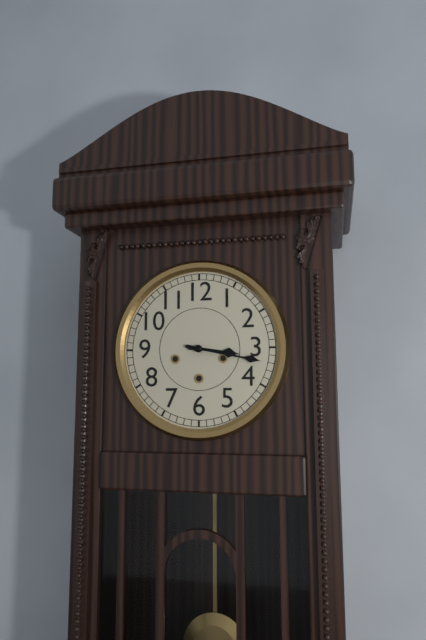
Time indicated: 3:17
